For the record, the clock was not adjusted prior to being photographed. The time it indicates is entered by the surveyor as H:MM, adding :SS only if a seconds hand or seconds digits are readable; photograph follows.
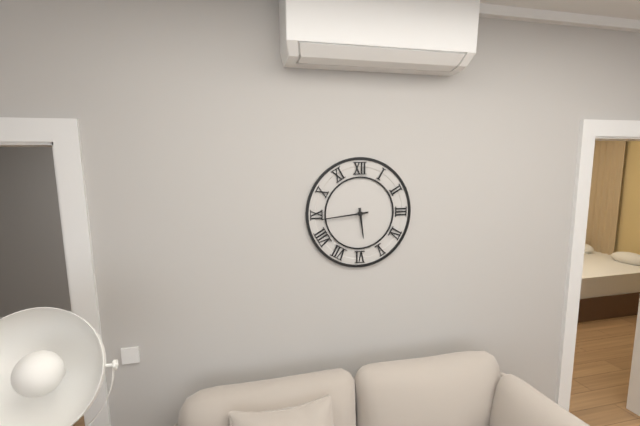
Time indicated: 5:44
